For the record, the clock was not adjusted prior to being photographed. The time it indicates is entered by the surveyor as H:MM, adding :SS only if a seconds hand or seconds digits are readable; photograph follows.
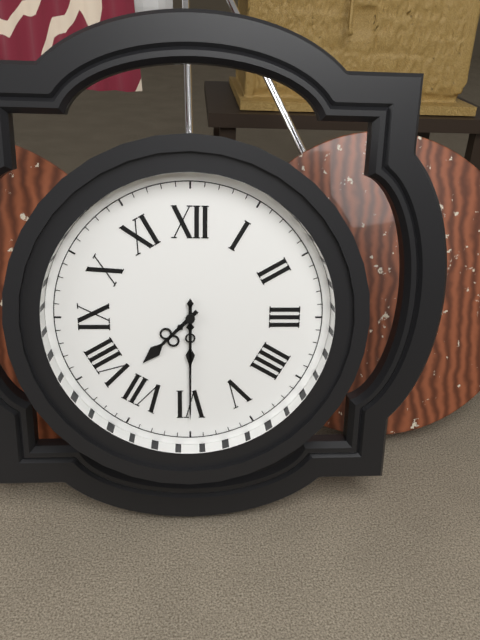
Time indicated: 7:30
